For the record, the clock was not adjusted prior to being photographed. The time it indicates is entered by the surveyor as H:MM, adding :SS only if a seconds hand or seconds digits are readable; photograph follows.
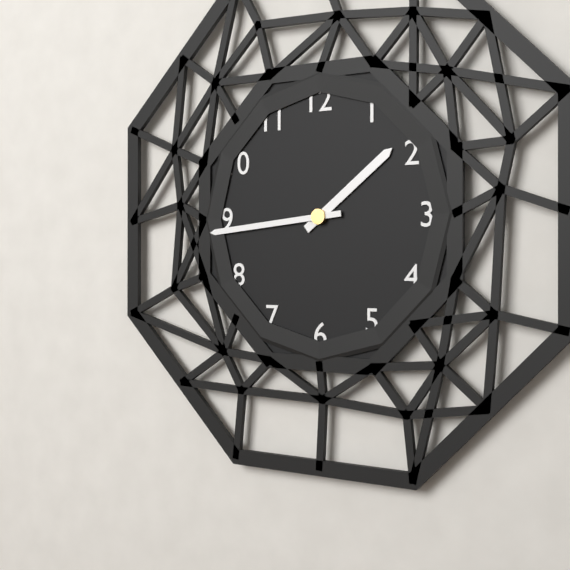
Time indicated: 1:44
